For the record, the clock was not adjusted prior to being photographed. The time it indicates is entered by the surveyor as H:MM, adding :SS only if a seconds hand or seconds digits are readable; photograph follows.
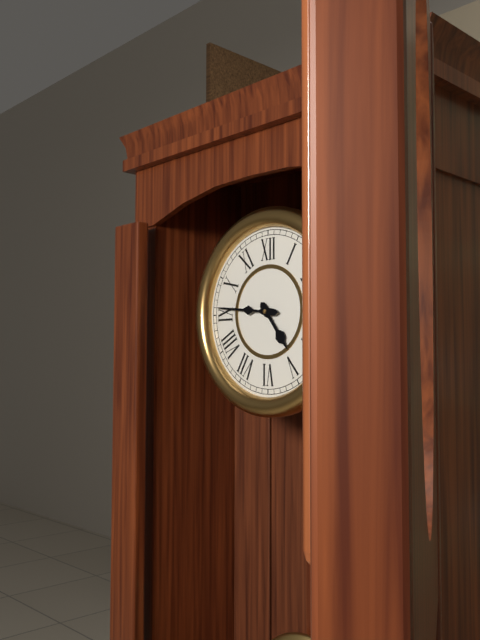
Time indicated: 4:46
